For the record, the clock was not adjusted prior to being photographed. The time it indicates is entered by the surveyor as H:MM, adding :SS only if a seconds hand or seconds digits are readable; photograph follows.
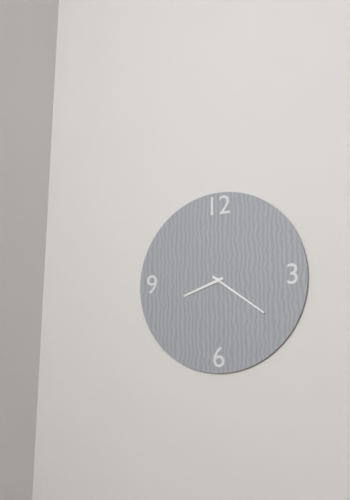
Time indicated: 8:21
